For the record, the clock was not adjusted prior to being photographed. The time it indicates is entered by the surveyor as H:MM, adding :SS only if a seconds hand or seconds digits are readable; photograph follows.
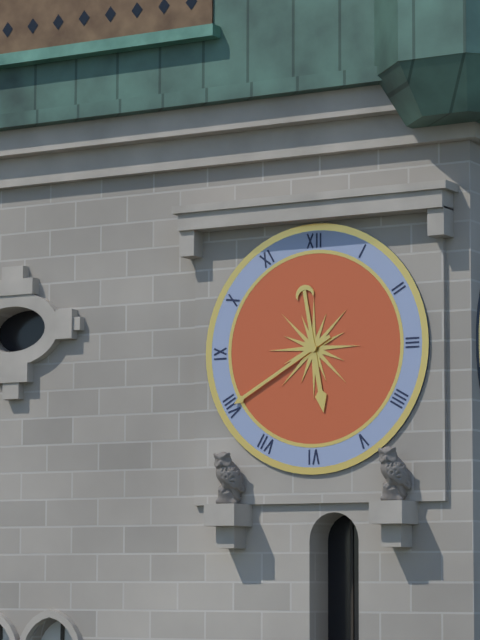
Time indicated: 5:40
